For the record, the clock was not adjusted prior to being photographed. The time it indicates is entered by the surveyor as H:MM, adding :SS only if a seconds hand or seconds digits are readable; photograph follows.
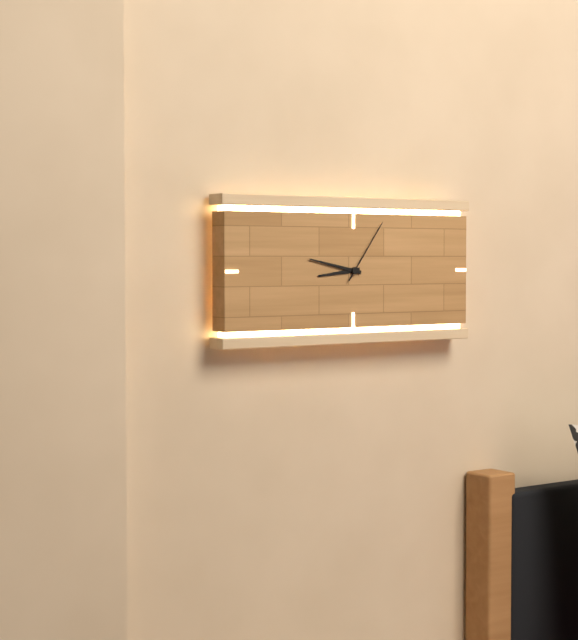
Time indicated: 8:47:06
